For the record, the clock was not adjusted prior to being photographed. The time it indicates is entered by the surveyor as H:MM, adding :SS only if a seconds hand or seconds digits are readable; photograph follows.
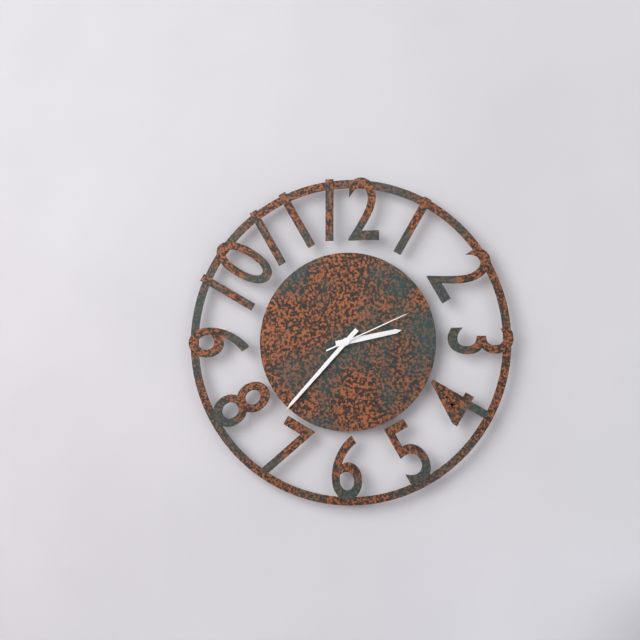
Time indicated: 2:37:11
